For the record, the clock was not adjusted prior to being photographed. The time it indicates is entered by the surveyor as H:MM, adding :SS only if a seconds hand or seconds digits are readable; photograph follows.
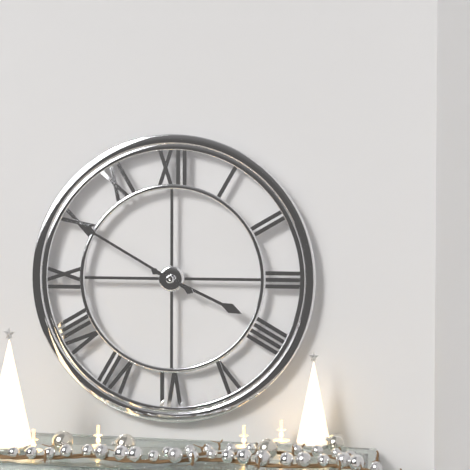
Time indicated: 3:50
